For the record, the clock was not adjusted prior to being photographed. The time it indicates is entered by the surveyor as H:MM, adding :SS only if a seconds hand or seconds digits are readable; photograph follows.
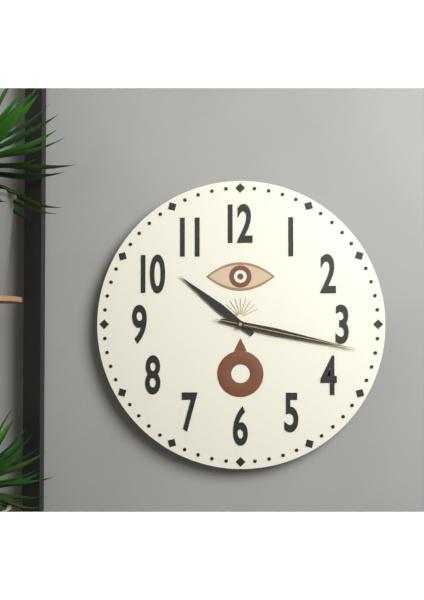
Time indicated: 10:17:17
